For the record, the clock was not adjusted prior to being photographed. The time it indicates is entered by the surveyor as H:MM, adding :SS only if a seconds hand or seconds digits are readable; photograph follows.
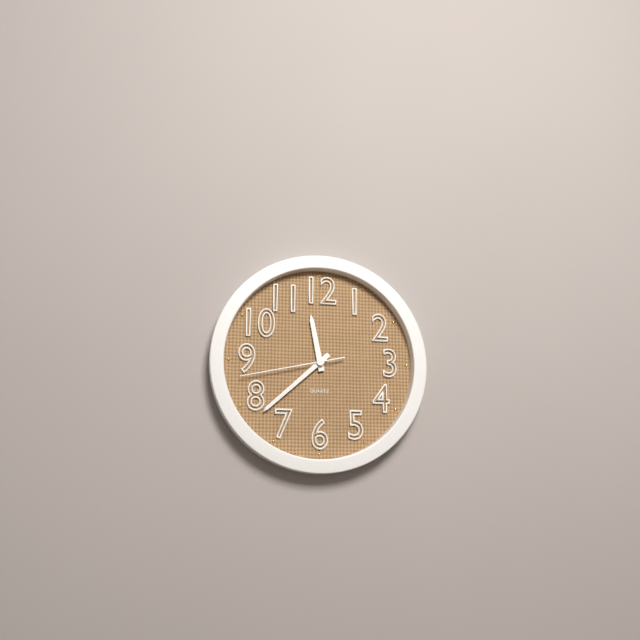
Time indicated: 11:38:43
